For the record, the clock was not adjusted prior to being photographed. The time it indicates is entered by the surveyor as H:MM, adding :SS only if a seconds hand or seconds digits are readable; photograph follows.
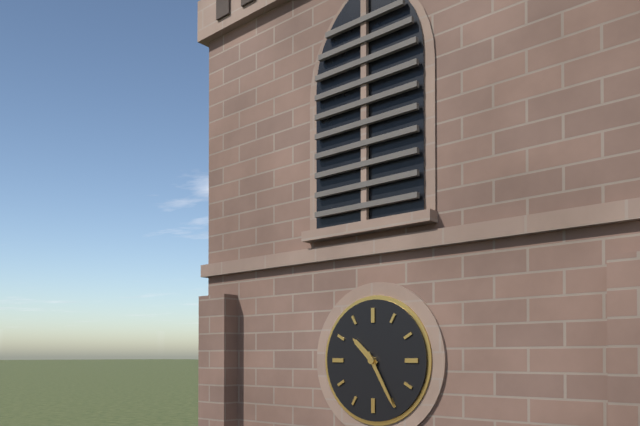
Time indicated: 10:25
